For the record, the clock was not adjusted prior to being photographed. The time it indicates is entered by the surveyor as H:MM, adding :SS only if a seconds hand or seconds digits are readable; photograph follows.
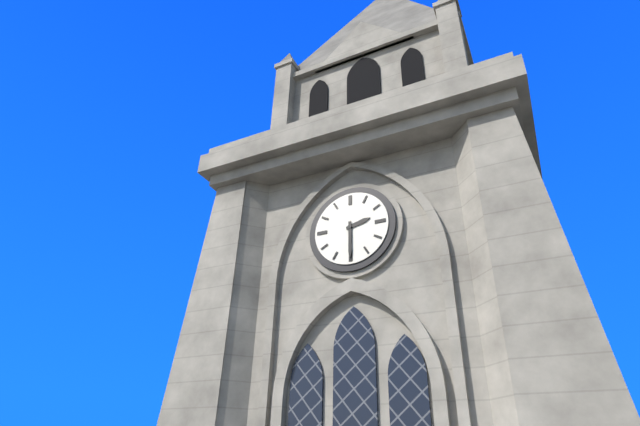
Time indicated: 2:30
